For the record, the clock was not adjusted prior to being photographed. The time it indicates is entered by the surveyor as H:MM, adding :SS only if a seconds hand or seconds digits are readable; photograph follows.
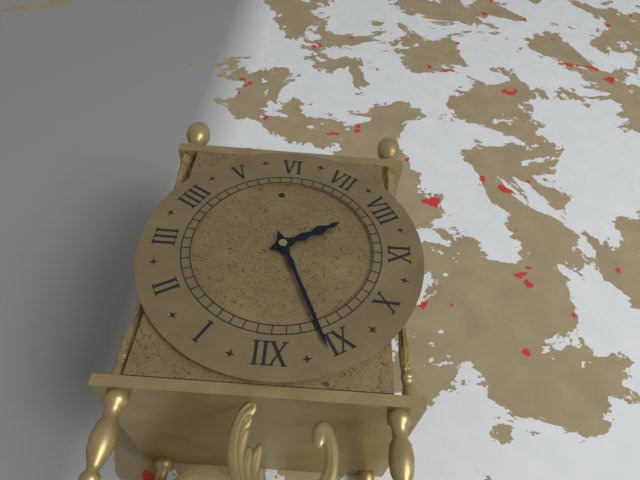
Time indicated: 7:56
